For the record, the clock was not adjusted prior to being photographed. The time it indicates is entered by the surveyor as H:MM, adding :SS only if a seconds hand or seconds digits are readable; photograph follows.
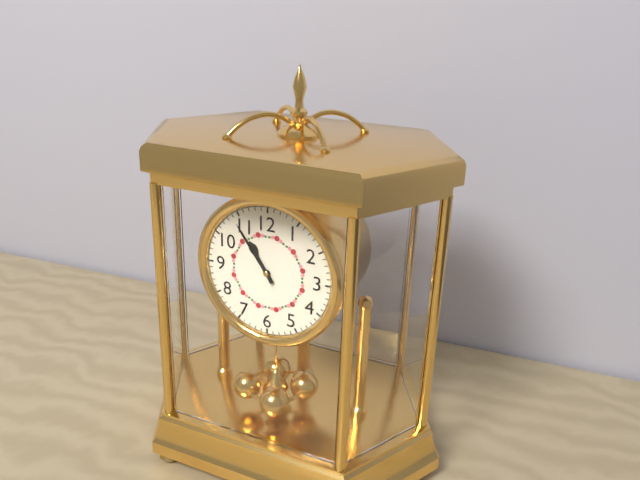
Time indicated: 10:54
